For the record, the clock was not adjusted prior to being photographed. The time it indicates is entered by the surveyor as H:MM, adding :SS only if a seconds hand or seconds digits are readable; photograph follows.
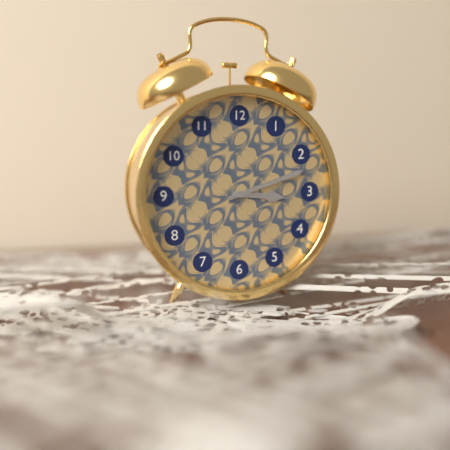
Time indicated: 3:12
